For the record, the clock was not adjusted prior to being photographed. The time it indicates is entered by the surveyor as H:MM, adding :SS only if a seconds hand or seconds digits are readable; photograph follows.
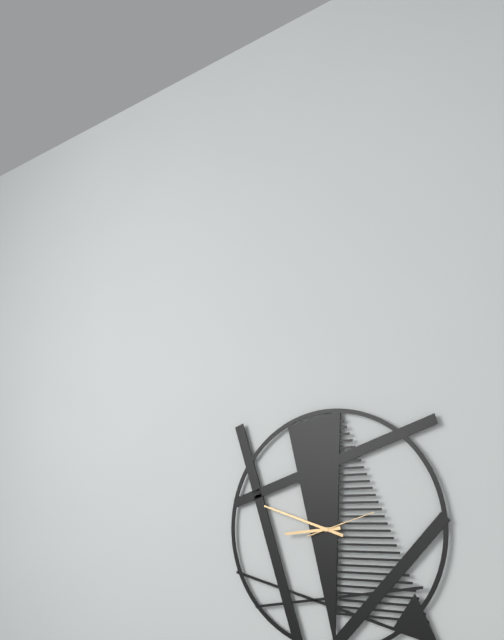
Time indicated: 8:48:12
